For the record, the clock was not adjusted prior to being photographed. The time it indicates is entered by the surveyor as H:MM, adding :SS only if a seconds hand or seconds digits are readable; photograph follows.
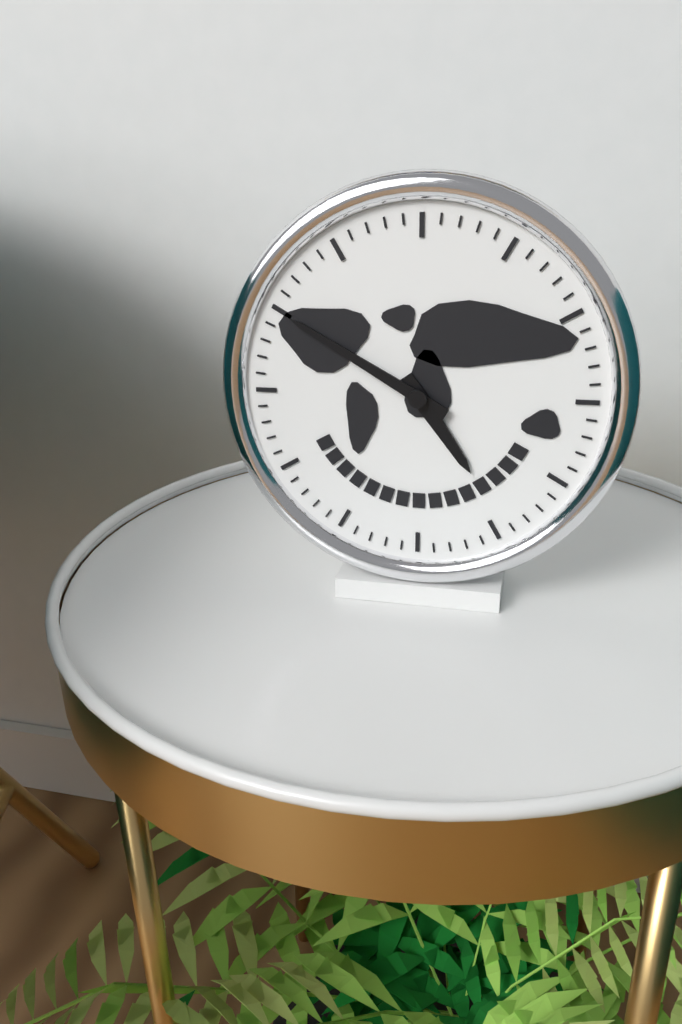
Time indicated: 4:50
